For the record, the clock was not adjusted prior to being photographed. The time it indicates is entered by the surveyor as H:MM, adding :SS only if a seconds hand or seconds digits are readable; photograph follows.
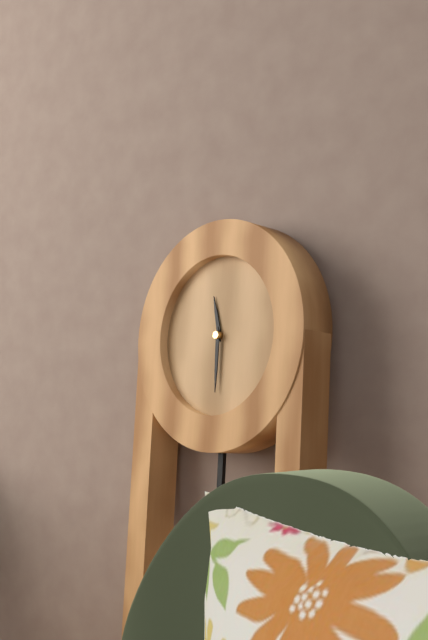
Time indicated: 11:30
